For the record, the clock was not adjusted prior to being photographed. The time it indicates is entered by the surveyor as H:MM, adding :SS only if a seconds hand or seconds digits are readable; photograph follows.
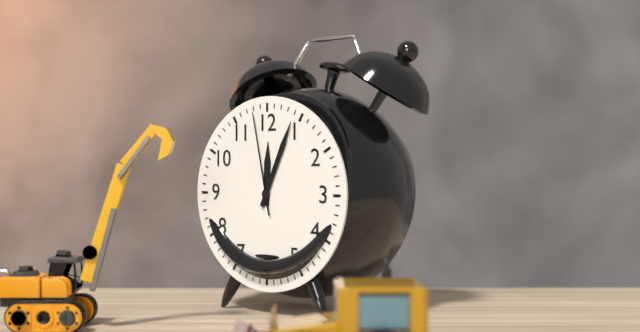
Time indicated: 12:04:58
